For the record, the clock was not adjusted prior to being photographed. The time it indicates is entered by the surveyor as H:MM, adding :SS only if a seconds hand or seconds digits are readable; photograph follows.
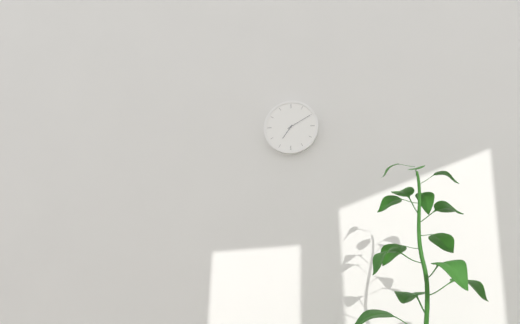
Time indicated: 7:10
